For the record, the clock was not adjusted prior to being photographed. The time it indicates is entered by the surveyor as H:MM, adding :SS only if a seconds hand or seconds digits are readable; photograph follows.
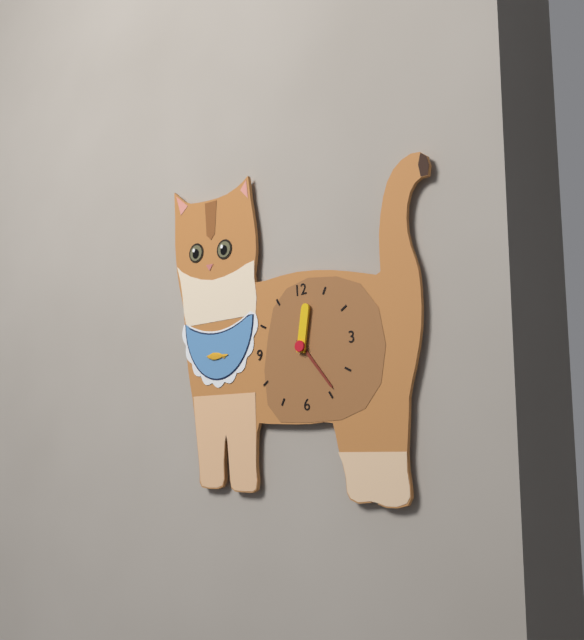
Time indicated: 12:24
